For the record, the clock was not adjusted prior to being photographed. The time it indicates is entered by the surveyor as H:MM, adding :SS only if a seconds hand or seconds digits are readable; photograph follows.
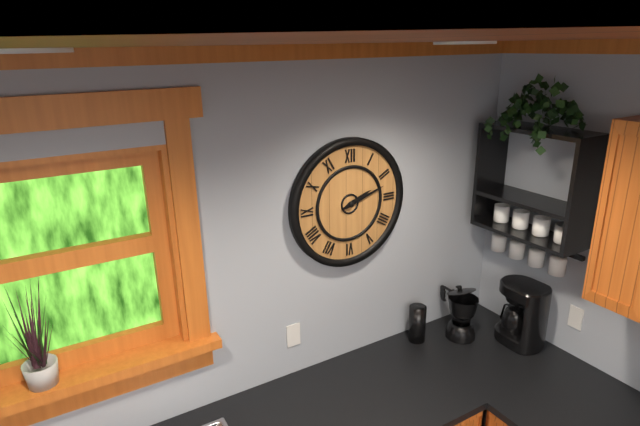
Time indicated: 2:12
